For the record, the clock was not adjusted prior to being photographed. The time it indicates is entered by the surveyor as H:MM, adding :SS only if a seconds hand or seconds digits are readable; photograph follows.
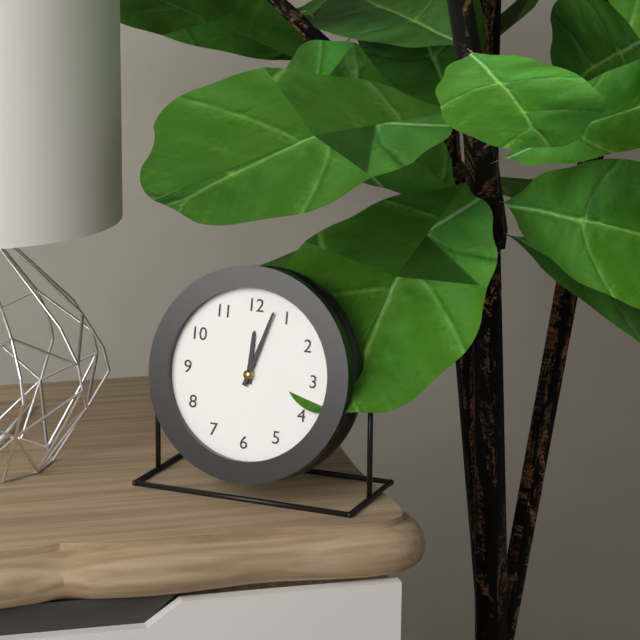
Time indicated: 12:03
